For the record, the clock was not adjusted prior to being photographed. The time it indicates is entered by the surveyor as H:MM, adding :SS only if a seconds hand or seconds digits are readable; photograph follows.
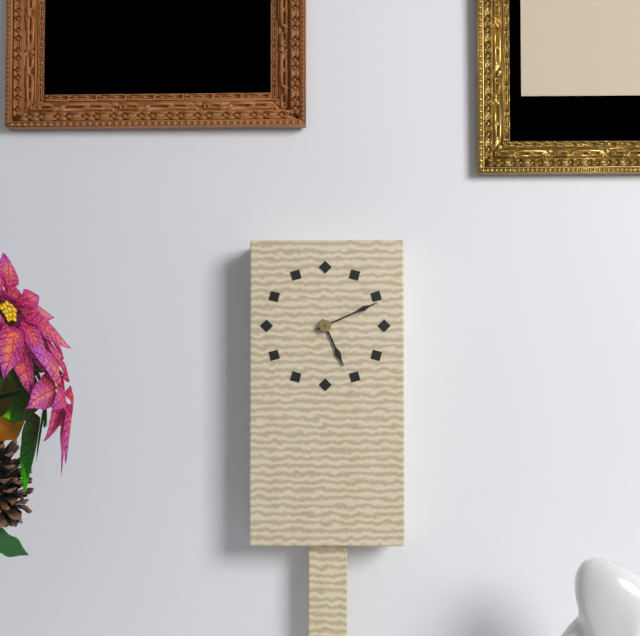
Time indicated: 5:11
